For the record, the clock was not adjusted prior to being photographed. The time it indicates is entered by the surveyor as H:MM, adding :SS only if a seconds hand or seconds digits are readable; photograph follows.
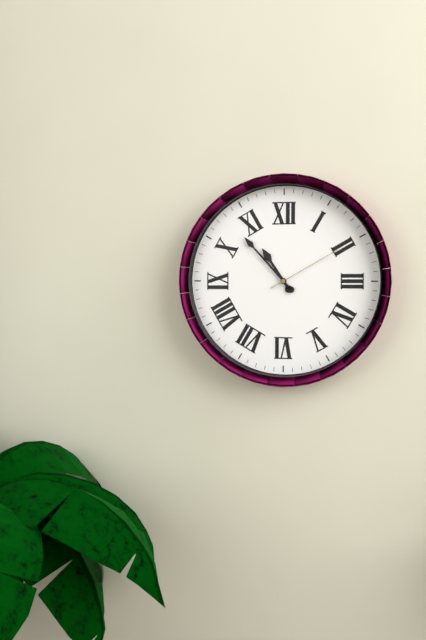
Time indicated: 10:53:10
